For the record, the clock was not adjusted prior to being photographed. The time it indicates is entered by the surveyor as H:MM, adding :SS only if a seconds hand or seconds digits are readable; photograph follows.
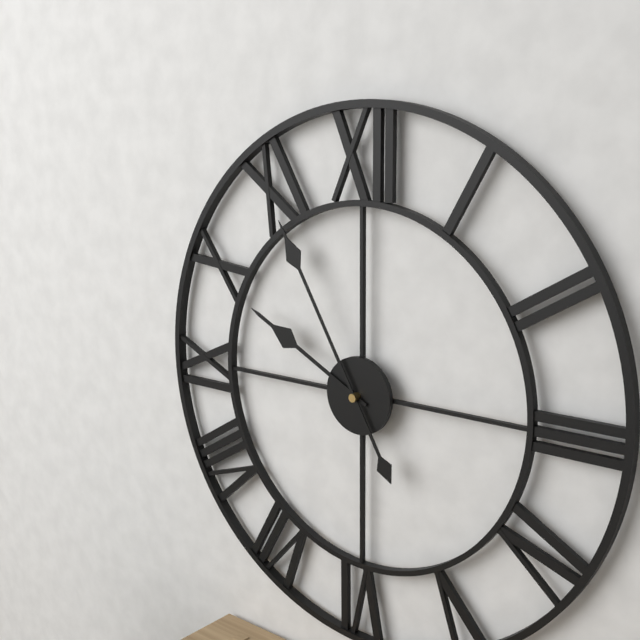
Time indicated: 9:55
